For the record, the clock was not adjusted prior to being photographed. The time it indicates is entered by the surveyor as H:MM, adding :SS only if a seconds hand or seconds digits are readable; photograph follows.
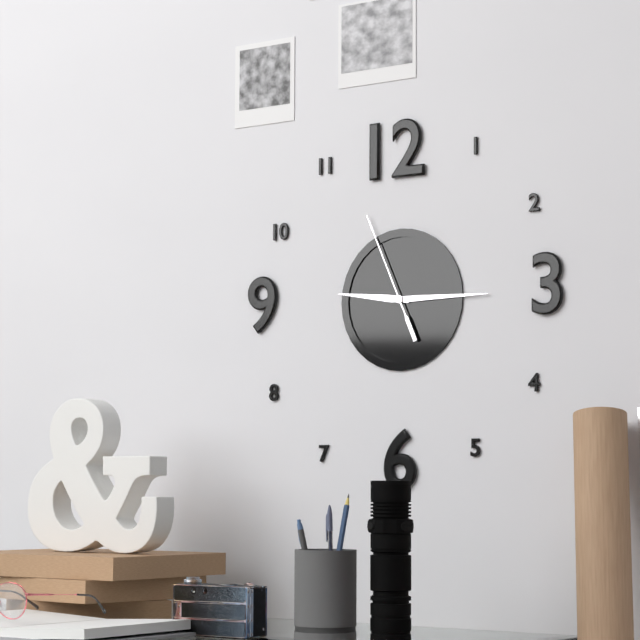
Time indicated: 9:15:56
